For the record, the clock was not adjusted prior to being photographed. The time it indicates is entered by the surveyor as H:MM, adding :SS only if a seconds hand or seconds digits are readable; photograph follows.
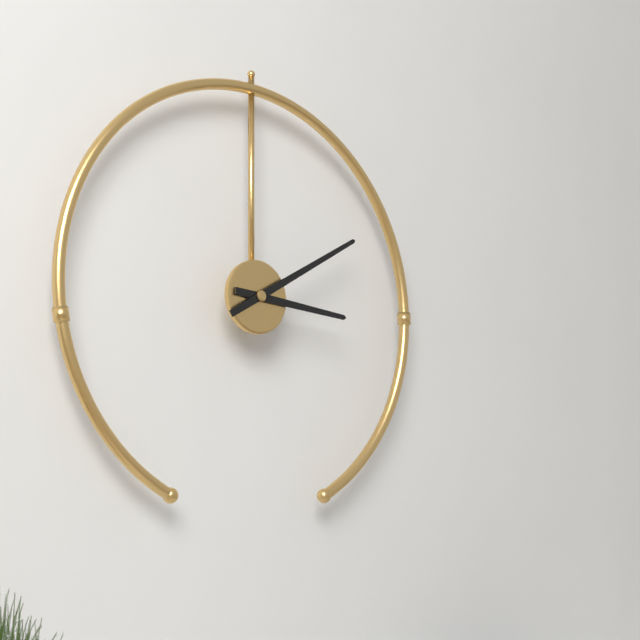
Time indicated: 3:10
